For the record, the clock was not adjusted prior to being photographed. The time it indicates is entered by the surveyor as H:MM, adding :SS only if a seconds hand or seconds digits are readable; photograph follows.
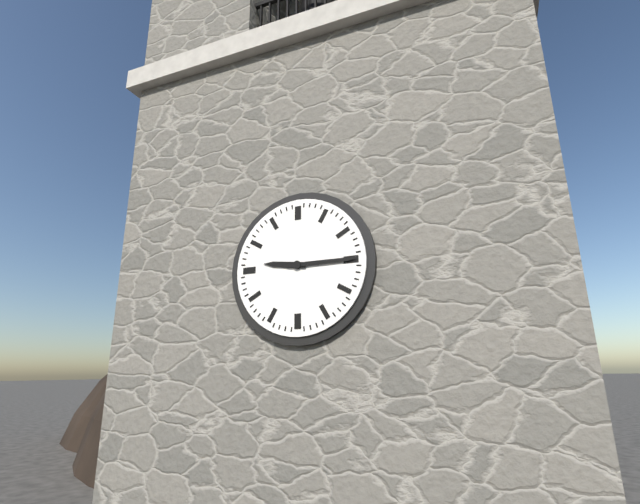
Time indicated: 9:15
